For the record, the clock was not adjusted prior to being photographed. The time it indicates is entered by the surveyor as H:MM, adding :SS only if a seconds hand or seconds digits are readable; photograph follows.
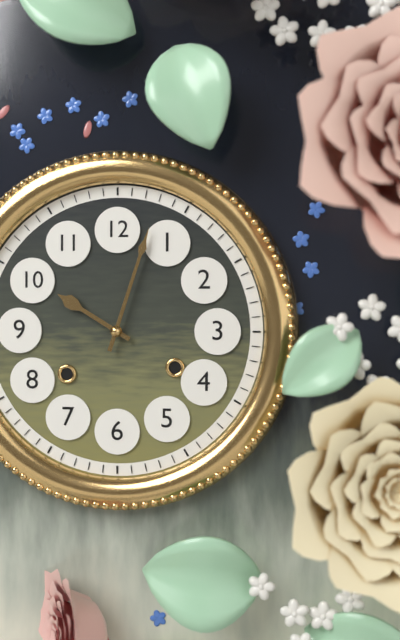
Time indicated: 10:03
